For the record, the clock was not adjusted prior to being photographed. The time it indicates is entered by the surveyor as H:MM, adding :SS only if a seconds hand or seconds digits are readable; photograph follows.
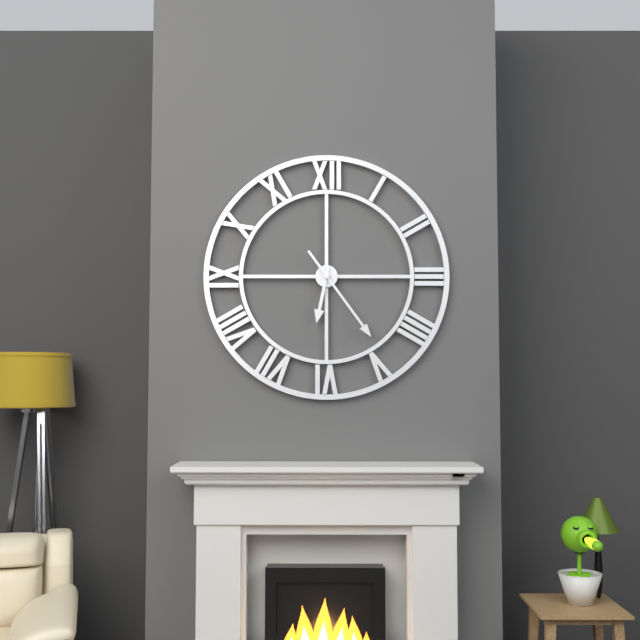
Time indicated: 6:24
